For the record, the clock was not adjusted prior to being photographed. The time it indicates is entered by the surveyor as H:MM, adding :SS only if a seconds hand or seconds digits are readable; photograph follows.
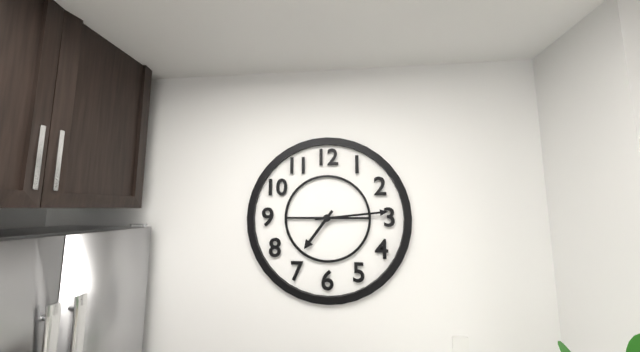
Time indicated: 7:14
